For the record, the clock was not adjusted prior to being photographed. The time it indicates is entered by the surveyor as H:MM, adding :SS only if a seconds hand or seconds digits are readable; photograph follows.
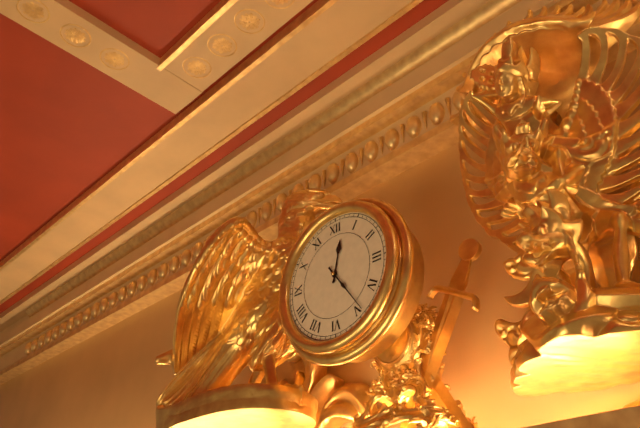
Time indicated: 12:24
